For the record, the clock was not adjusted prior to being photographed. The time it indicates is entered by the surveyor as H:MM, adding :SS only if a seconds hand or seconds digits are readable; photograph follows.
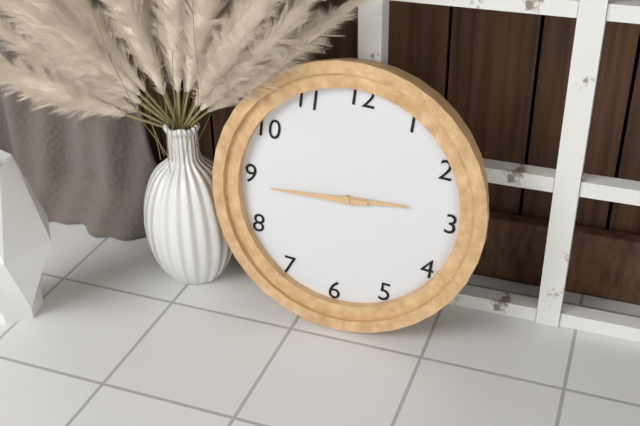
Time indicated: 2:44
